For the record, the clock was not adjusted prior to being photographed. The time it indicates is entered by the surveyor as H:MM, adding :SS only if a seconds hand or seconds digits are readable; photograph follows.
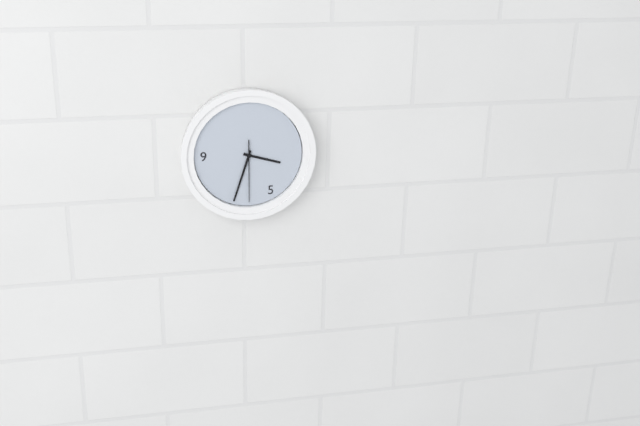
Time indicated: 3:33:30
